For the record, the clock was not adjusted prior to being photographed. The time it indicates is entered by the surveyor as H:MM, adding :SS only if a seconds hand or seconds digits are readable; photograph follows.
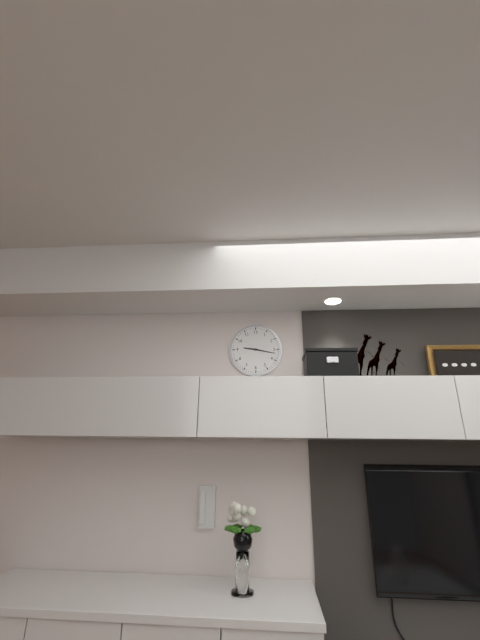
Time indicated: 9:17
